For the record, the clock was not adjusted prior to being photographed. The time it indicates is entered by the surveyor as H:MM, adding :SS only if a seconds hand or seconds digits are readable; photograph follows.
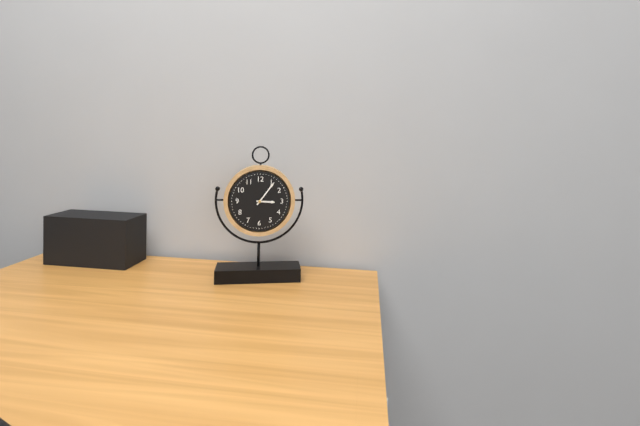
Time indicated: 3:06
